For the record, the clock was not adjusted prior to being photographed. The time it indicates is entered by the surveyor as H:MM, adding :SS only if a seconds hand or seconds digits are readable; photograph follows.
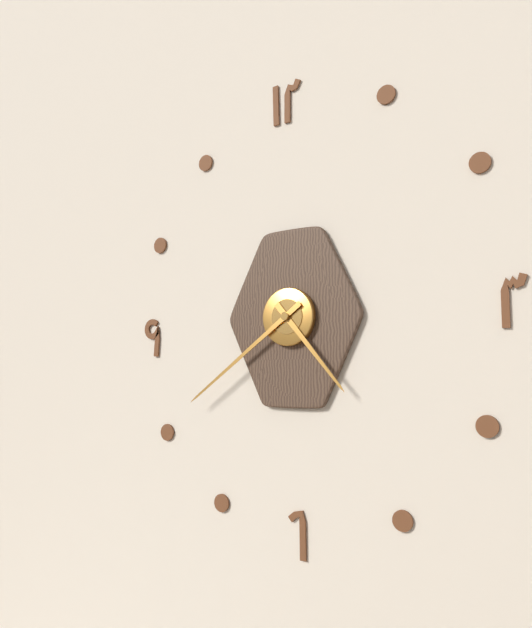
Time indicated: 4:39
